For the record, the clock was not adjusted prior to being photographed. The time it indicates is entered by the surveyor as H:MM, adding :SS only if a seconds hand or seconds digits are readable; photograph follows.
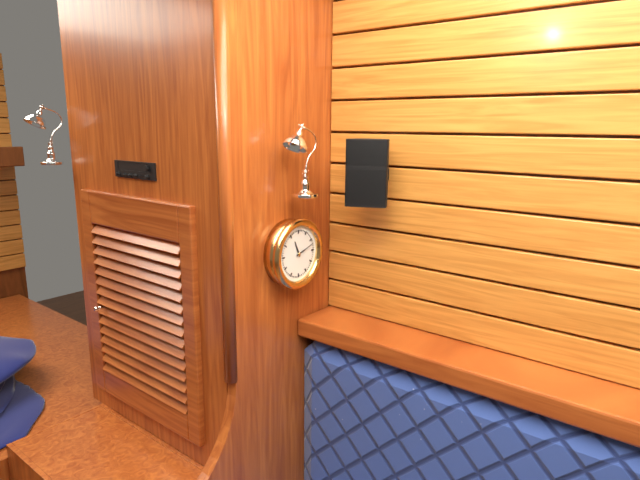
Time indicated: 11:12
